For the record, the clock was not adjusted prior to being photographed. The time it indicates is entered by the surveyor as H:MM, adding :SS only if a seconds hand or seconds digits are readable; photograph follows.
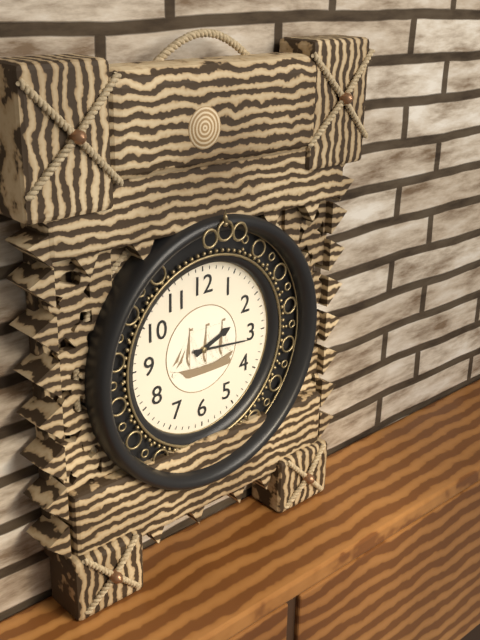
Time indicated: 2:16
